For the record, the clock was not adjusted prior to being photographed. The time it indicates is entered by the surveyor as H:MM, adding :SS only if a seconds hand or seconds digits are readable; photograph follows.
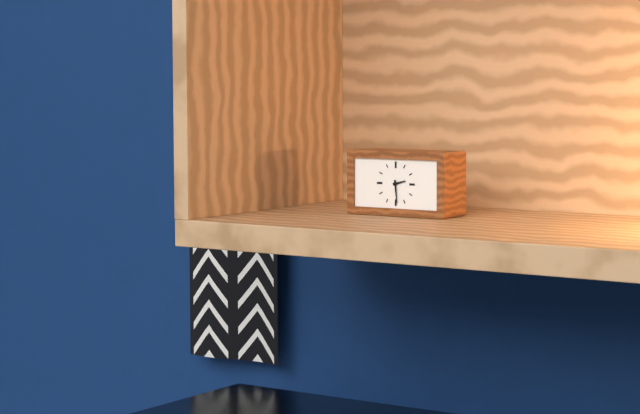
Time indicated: 2:29
